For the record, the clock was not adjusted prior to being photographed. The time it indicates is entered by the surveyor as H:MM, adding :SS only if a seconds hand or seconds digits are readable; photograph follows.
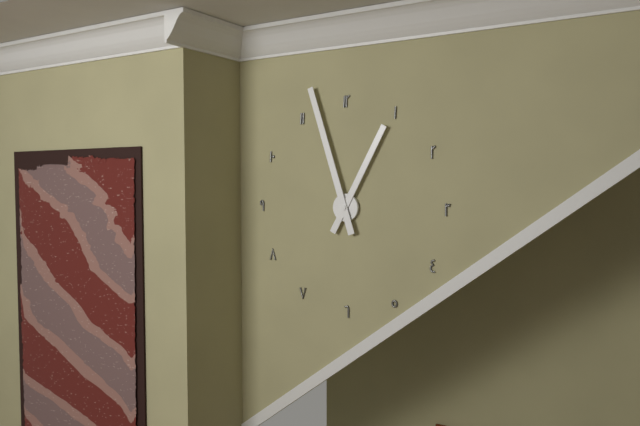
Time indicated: 12:57
